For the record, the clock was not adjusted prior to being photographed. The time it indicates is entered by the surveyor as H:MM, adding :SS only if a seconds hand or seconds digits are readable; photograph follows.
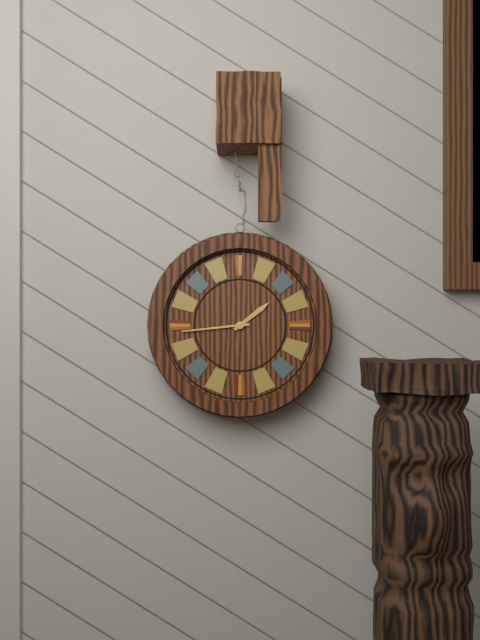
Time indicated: 1:44
